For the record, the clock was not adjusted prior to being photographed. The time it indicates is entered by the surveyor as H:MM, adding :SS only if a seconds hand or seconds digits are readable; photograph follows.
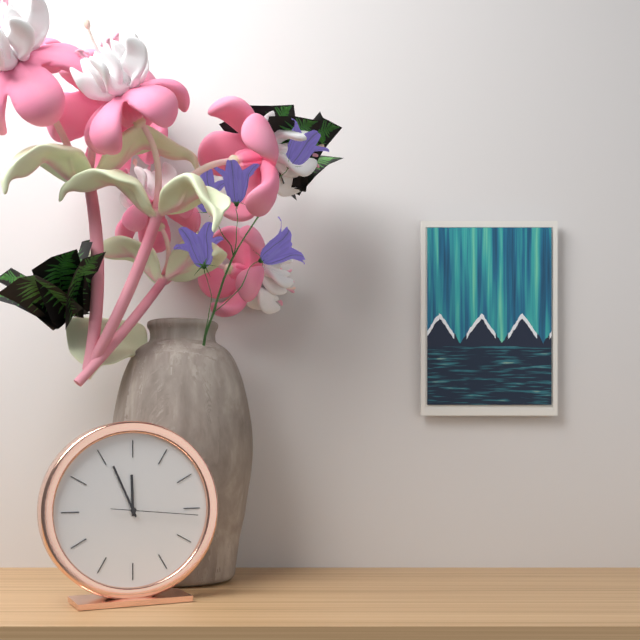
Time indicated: 11:56:16
